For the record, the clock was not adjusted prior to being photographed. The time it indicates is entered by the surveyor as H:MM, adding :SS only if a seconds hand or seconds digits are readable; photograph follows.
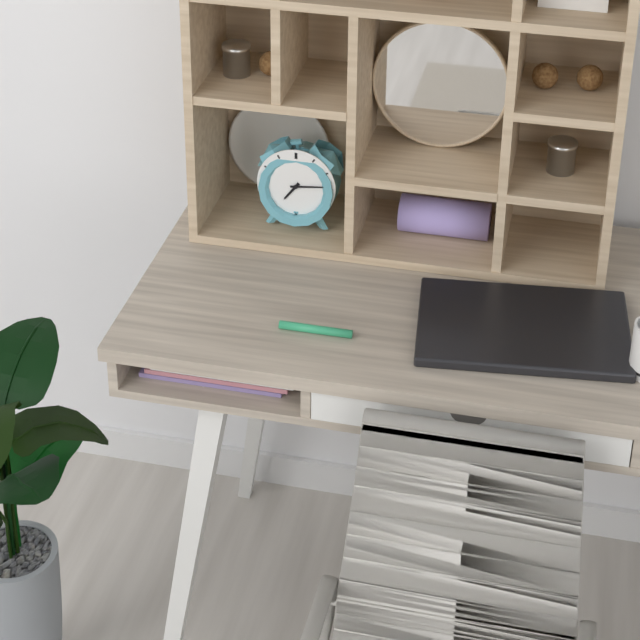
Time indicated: 7:14
